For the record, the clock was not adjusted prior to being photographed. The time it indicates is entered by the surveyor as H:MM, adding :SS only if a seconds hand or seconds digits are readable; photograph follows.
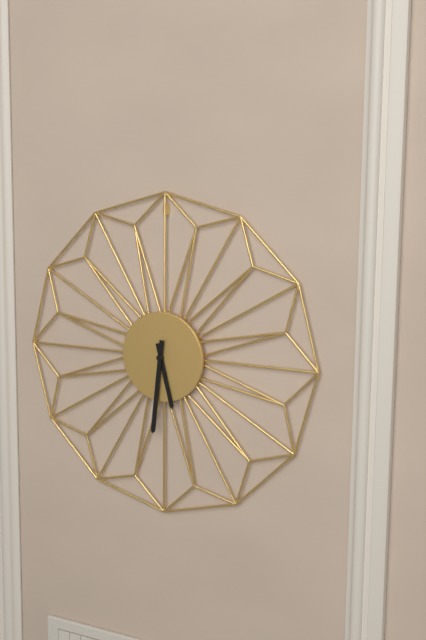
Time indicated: 5:31
